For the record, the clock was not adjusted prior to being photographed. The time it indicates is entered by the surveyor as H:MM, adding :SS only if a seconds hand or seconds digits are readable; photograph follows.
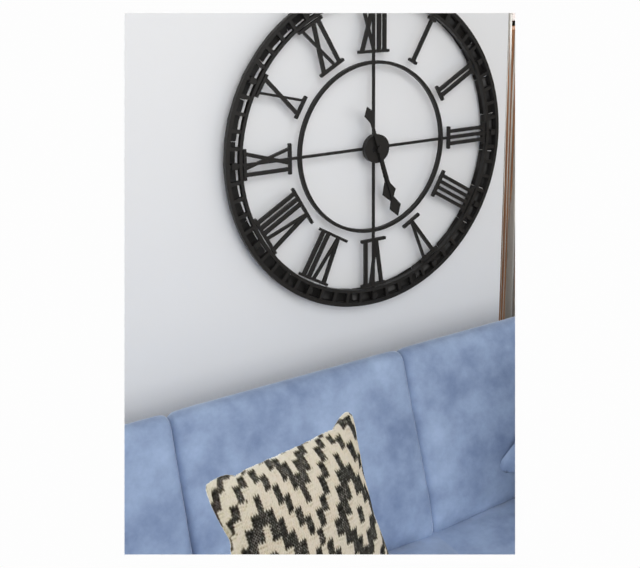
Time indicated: 5:27
